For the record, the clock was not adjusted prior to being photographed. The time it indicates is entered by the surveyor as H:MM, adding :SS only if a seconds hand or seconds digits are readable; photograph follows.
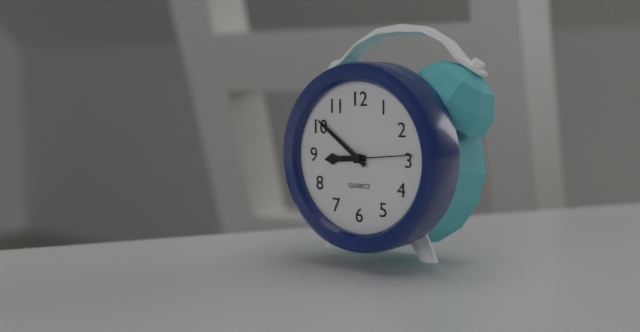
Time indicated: 8:51:14
